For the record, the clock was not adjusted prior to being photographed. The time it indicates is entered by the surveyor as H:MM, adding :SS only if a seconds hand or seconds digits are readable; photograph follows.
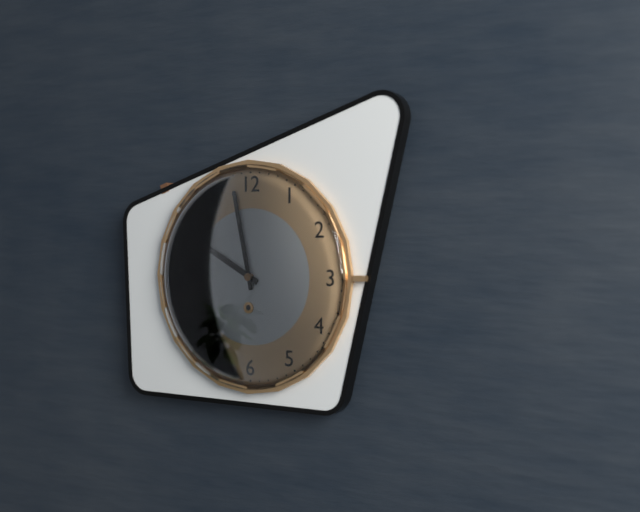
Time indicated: 9:58
